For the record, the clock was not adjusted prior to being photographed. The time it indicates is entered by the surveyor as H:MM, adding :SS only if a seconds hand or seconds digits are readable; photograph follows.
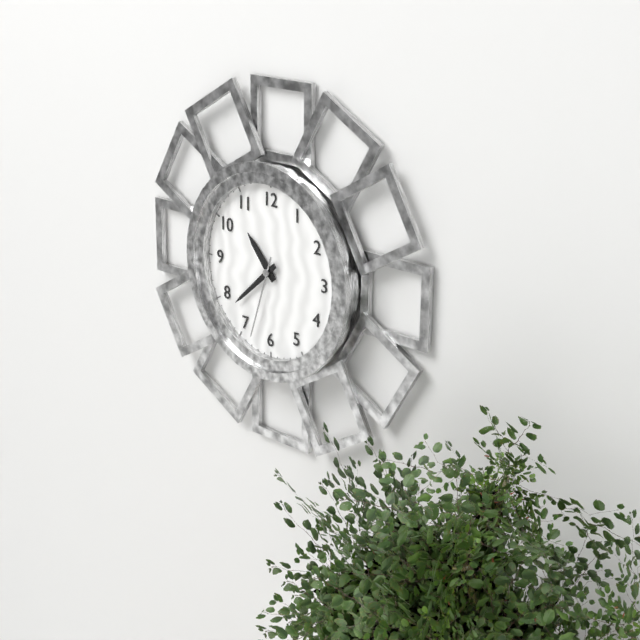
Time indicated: 10:38:33
